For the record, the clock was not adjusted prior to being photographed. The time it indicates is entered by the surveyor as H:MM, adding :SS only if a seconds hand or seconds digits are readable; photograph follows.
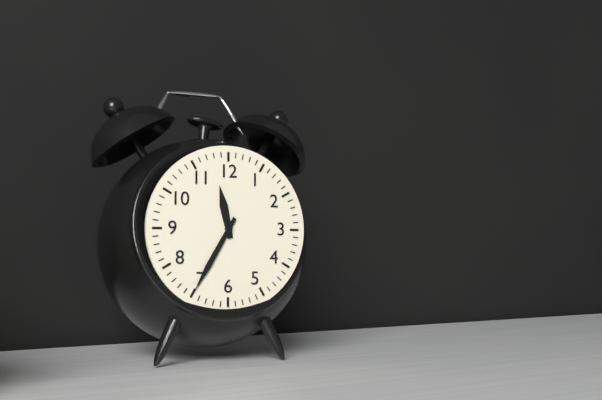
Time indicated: 11:35
